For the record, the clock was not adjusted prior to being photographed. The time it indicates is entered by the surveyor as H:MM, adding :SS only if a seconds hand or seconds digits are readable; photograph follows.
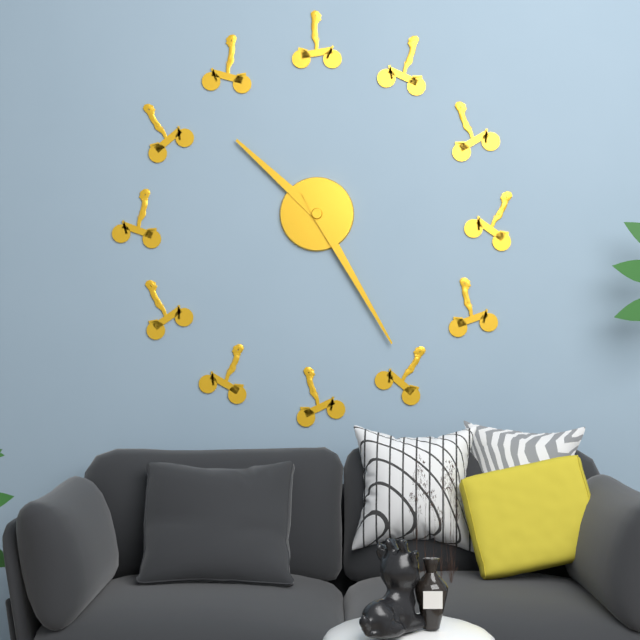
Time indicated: 10:25
